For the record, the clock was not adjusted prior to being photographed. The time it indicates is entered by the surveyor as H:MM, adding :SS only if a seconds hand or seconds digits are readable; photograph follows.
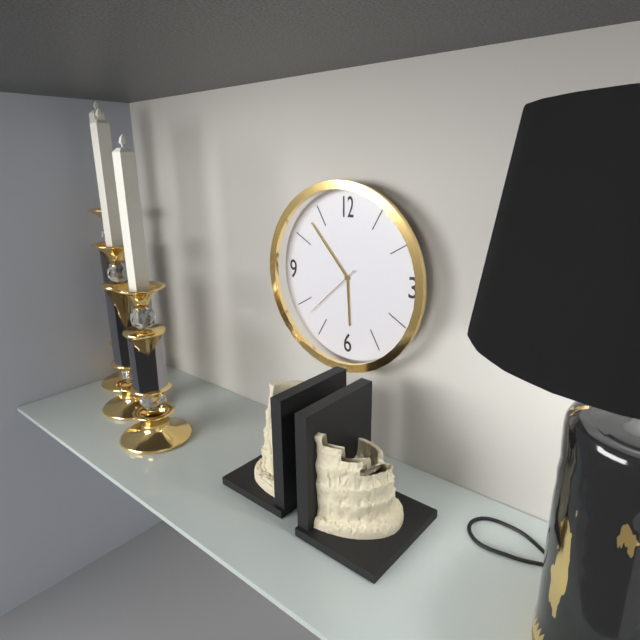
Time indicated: 5:53:38
